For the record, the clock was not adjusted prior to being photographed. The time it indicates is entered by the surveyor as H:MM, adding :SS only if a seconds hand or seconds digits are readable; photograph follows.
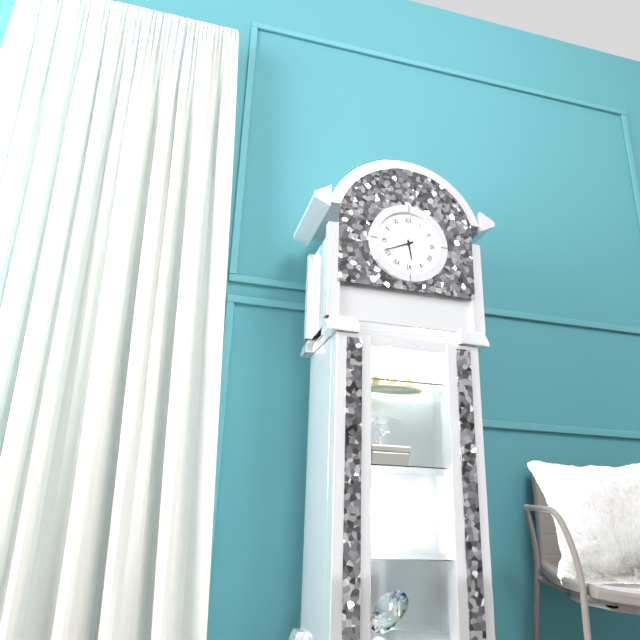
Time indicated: 5:41
